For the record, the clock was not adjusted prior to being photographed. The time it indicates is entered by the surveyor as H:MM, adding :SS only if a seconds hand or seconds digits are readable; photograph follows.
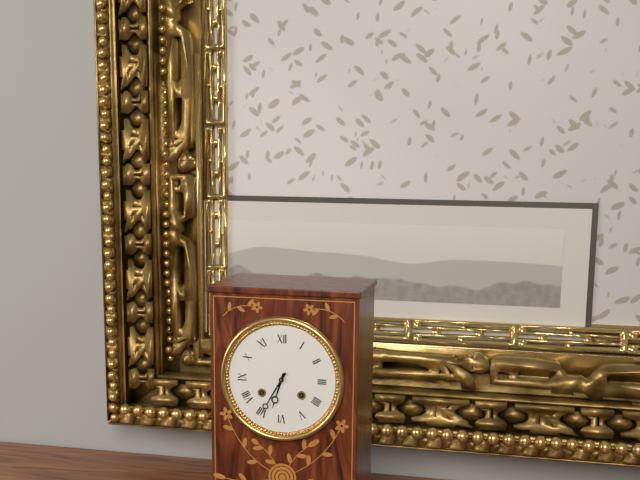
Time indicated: 6:35
